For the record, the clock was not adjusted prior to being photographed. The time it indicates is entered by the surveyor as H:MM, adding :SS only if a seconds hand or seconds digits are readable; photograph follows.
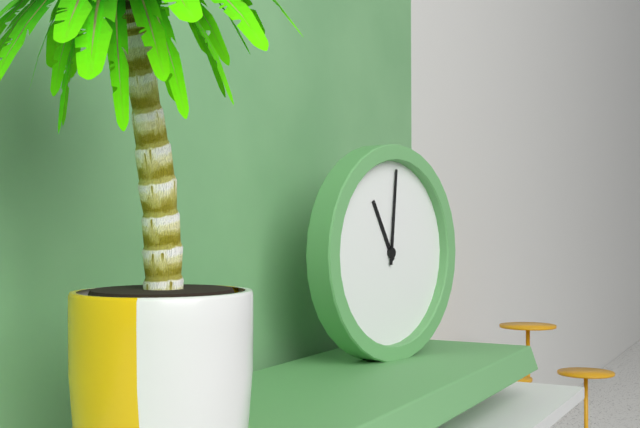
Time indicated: 11:01
